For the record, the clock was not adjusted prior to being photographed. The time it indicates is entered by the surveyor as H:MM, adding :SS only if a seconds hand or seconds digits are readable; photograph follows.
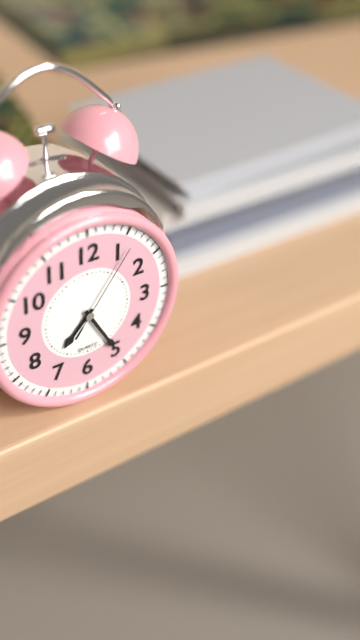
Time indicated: 7:25:06
